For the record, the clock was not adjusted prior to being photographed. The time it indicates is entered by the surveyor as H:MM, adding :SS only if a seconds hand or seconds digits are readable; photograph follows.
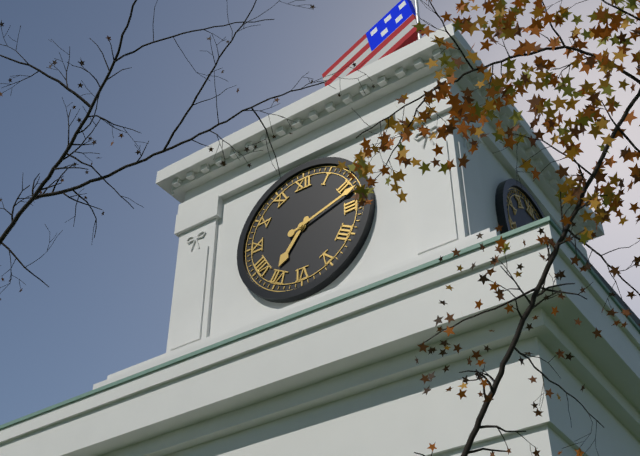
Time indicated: 7:12
